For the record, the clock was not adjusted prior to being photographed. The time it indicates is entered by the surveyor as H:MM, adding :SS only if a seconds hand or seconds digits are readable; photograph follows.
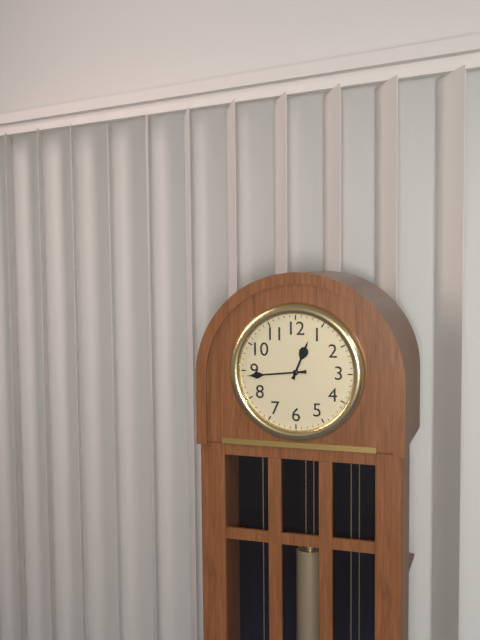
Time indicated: 12:44
